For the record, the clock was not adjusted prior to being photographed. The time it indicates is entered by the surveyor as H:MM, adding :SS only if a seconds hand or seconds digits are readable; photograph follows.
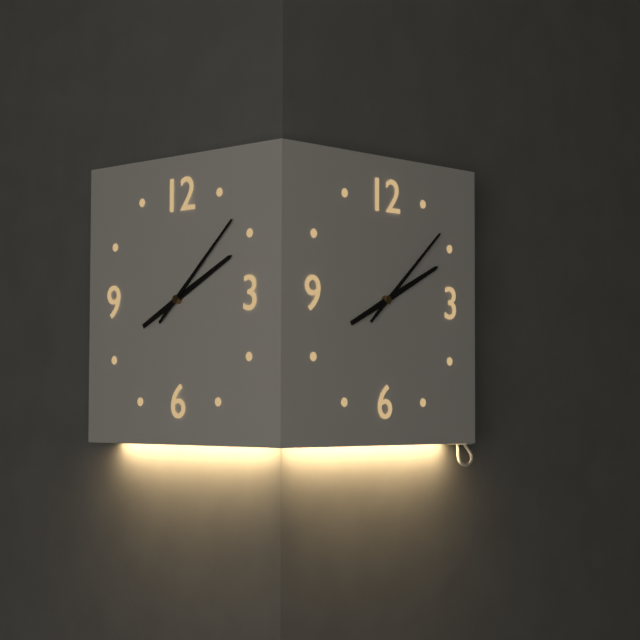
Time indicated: 2:08
